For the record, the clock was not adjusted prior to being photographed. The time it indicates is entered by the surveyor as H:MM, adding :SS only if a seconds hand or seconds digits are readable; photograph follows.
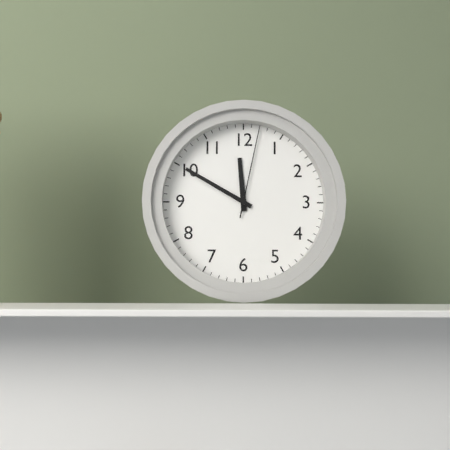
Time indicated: 11:50:02
